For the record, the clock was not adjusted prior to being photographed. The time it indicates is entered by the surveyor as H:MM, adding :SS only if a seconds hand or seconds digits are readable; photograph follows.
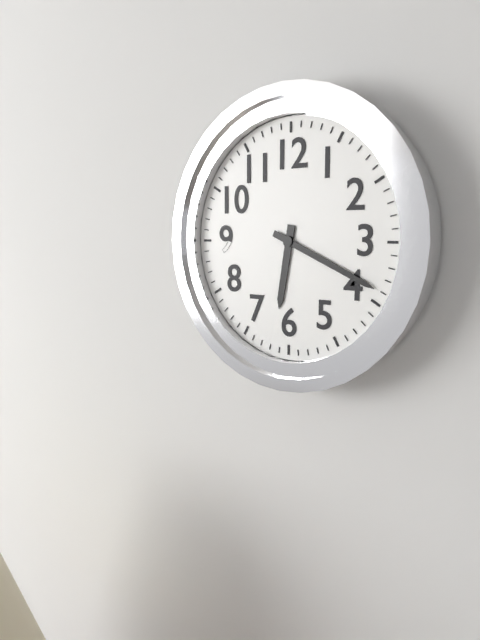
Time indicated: 6:19
